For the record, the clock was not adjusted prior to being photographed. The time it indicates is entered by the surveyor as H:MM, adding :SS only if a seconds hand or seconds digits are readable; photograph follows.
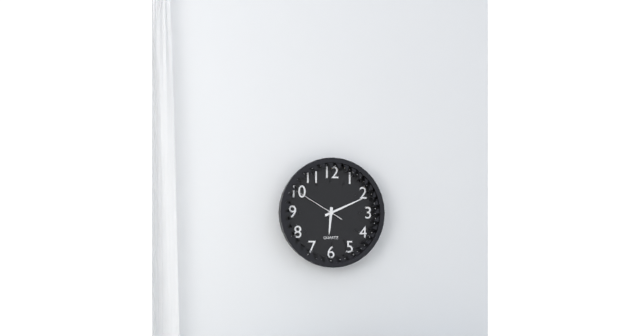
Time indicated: 6:11:50
